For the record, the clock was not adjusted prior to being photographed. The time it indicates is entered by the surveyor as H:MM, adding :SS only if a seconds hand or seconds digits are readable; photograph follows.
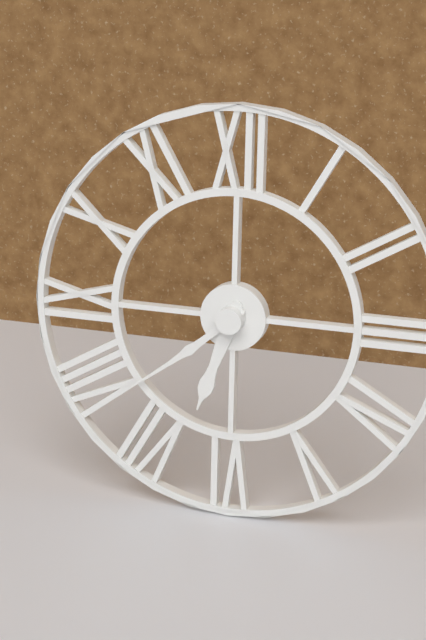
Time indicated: 6:38
